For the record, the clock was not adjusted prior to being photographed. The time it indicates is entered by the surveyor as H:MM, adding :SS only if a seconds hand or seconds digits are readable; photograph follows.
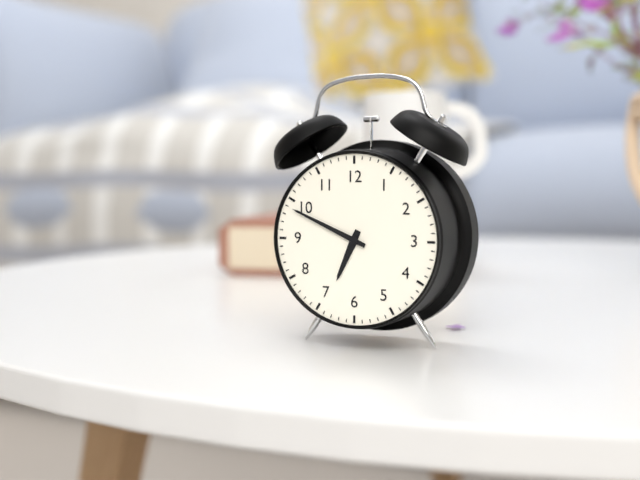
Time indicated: 6:49
